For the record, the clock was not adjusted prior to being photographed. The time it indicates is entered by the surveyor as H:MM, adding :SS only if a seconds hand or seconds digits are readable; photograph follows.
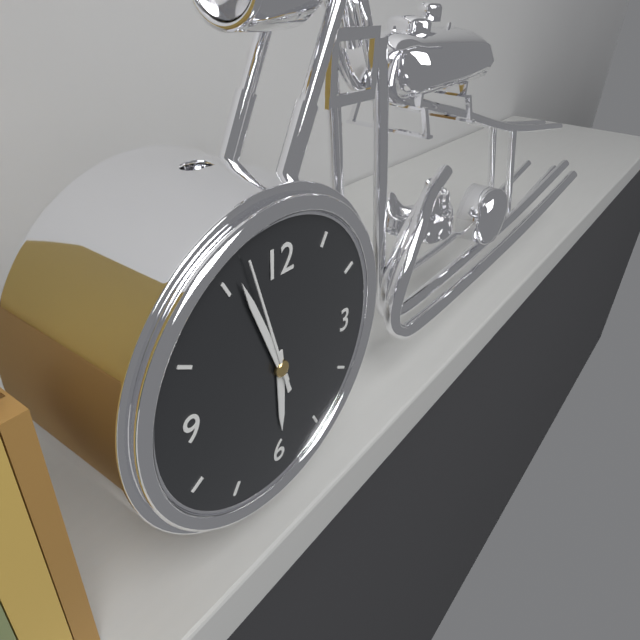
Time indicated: 5:56:57
